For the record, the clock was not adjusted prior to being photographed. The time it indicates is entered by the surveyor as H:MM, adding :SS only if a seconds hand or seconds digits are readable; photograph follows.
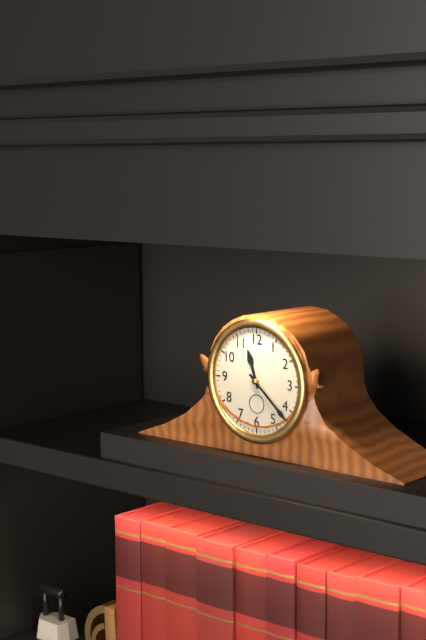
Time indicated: 11:22
